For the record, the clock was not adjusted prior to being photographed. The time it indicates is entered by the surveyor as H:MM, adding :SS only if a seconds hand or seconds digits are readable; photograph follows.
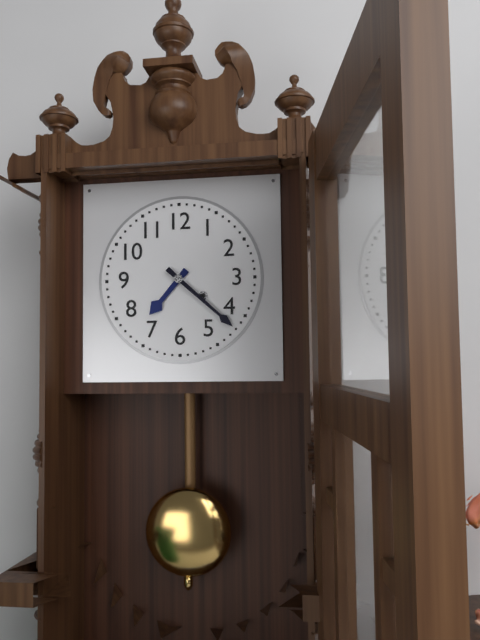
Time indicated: 7:22
